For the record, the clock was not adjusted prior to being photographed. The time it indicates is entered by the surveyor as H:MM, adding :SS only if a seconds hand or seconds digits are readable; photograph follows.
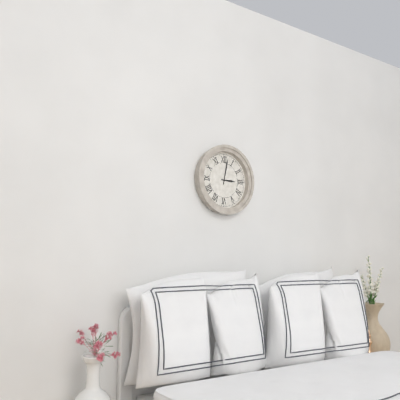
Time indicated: 3:02
